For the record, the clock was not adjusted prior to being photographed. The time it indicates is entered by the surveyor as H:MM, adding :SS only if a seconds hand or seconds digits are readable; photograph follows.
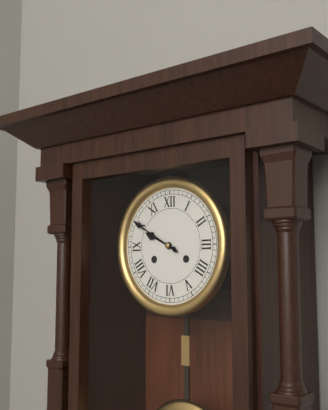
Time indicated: 9:50
